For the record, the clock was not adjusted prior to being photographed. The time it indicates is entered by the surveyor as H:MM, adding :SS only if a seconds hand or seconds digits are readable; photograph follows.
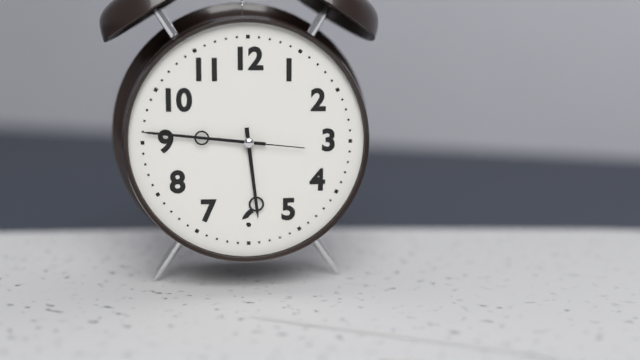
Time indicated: 5:46:16
